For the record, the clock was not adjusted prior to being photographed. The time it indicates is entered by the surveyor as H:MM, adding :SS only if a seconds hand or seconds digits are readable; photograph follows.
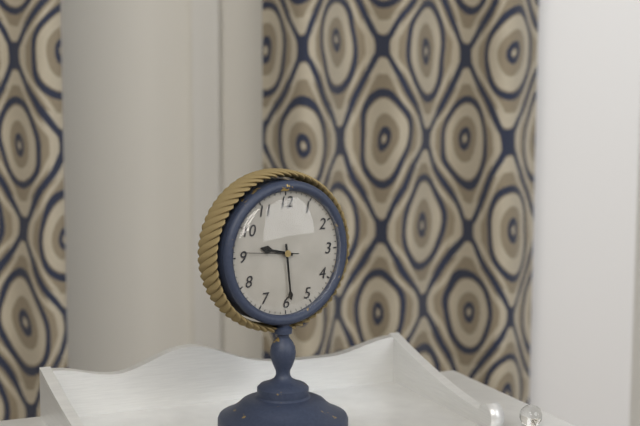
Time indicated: 9:29:46
